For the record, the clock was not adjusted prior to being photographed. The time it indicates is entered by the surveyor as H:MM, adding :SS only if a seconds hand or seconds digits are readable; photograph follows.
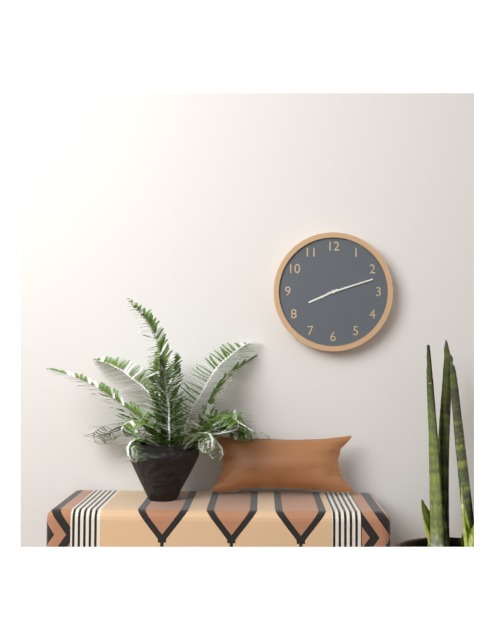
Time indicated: 8:12
